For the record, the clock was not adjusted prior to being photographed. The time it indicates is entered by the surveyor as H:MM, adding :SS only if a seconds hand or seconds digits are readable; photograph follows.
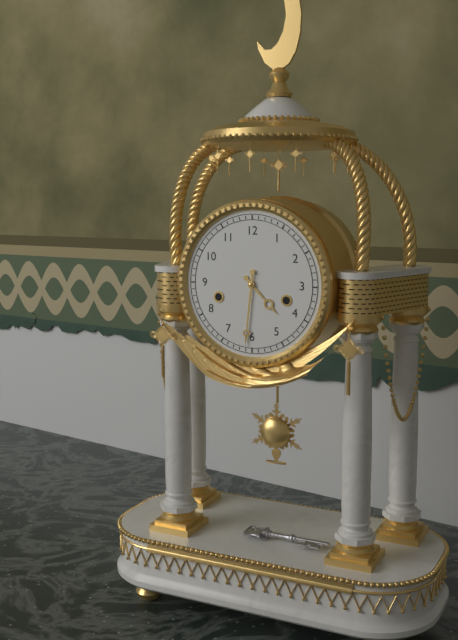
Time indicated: 4:31
